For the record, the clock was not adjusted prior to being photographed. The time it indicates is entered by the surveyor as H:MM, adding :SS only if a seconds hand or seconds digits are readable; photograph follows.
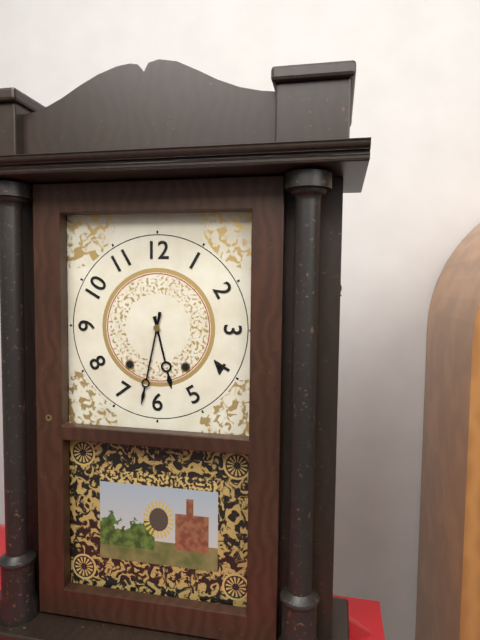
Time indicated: 5:32
